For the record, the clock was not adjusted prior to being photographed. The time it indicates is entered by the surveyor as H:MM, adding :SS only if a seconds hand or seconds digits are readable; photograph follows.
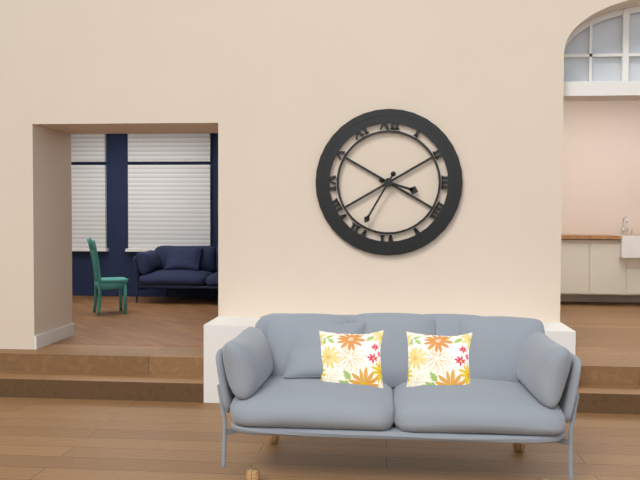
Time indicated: 3:35
